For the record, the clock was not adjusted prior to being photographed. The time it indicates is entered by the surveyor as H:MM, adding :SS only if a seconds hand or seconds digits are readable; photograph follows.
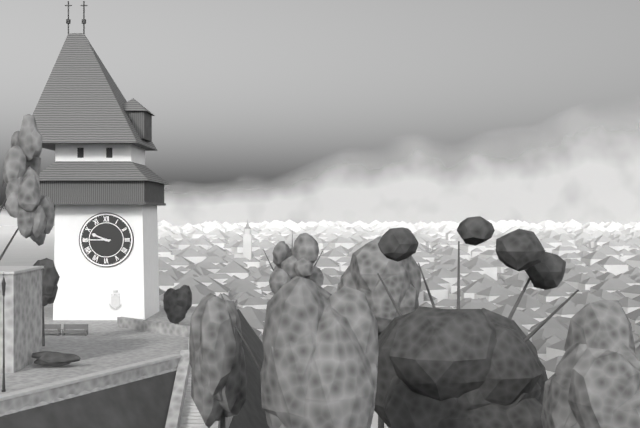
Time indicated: 9:45
